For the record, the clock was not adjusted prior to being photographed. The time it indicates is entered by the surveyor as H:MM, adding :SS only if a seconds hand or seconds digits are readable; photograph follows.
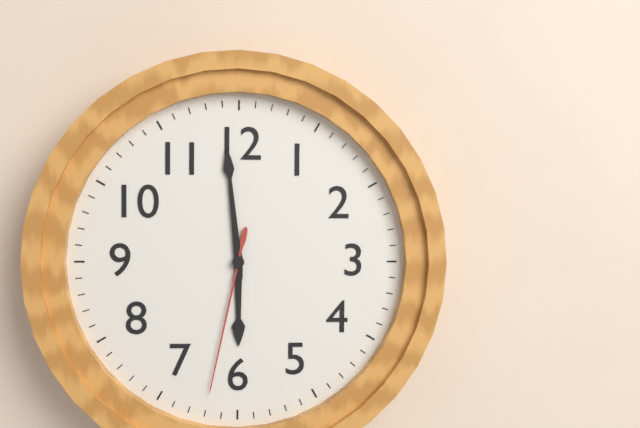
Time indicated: 5:59:32
